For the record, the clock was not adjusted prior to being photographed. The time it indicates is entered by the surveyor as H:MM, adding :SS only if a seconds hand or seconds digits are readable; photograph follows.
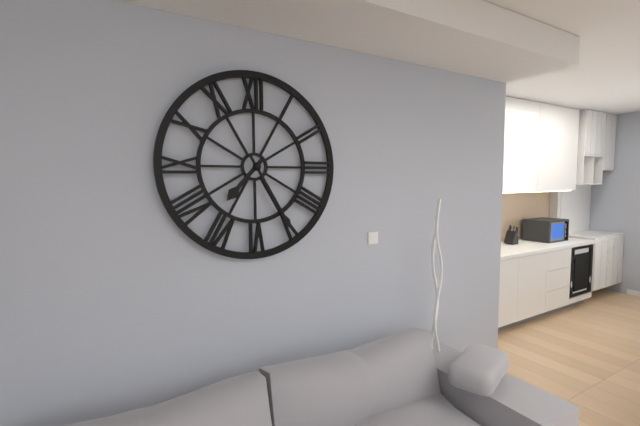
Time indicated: 7:25
